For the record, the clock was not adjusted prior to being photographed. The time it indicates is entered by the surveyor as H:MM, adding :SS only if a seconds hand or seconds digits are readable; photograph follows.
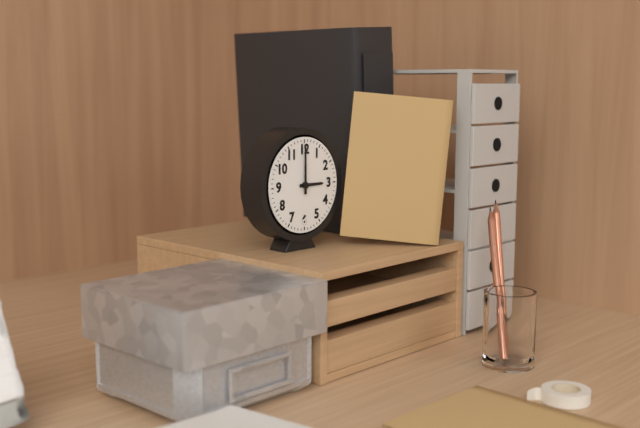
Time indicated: 3:00
